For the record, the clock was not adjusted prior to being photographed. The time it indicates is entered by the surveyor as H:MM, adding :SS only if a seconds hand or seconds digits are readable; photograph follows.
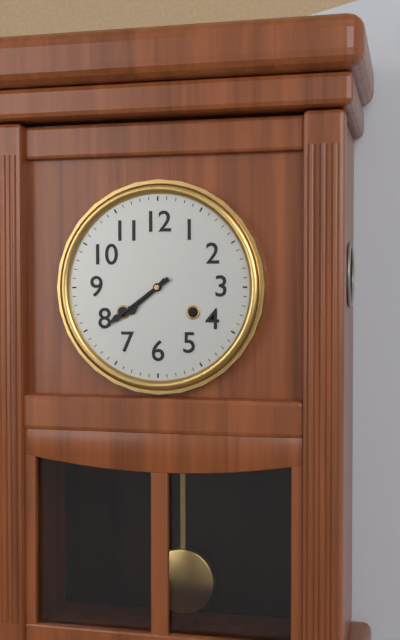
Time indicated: 7:39
